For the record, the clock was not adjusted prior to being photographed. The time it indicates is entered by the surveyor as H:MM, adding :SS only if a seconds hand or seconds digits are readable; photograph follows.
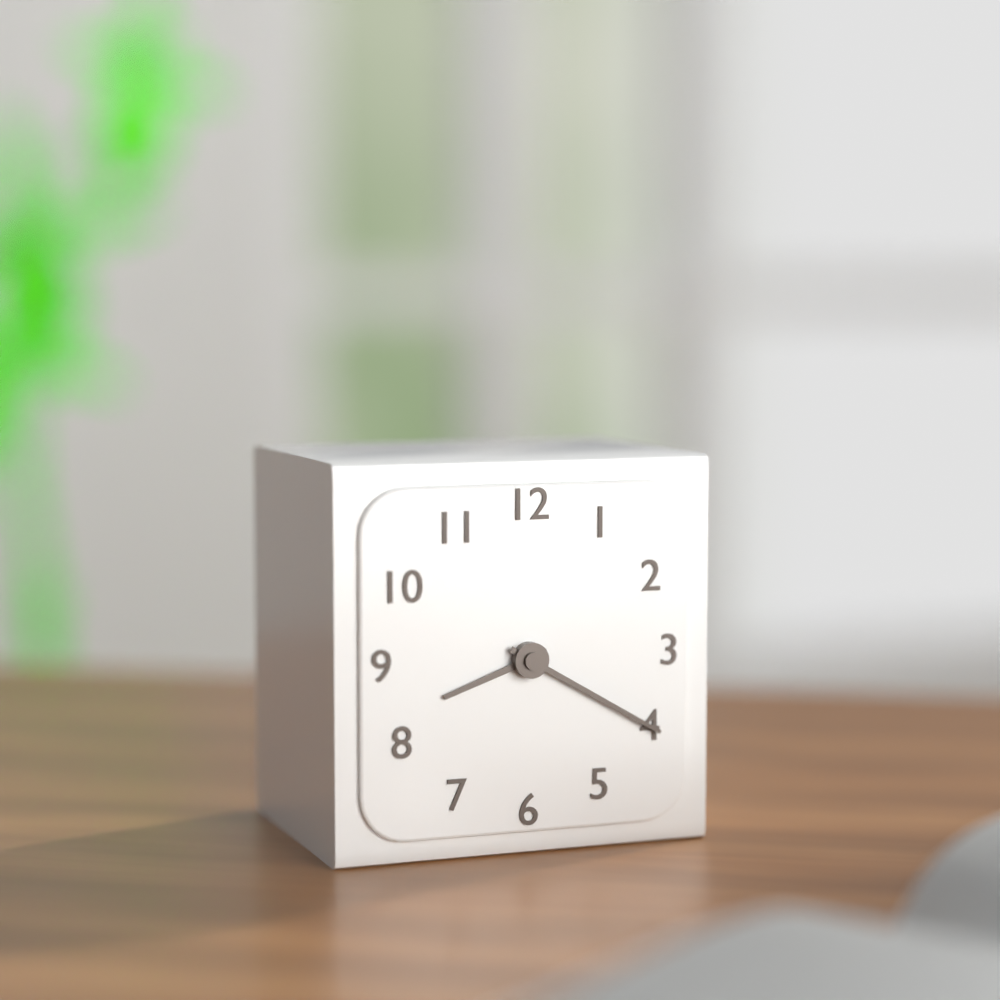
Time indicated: 8:20
